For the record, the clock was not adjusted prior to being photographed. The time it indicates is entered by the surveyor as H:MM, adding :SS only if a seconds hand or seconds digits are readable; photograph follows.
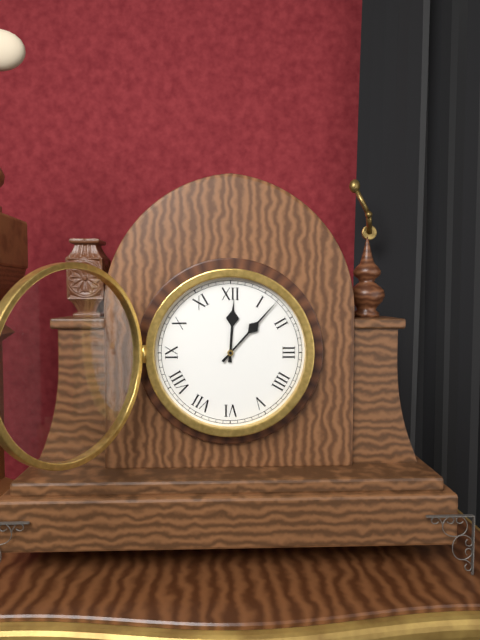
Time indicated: 12:07
